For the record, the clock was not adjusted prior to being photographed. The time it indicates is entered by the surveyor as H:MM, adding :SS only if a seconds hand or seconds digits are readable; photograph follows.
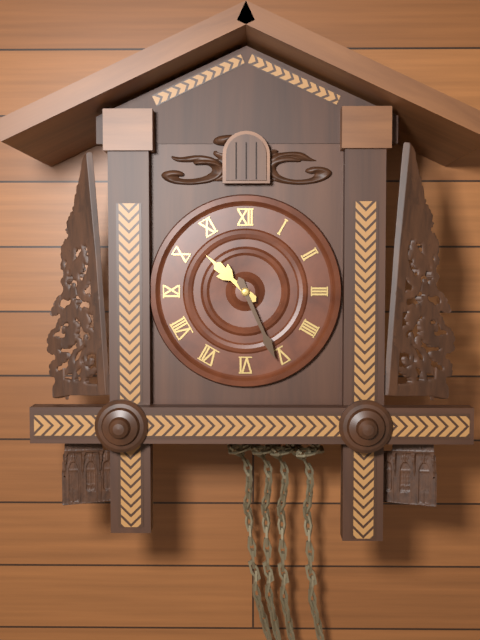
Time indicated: 10:26
